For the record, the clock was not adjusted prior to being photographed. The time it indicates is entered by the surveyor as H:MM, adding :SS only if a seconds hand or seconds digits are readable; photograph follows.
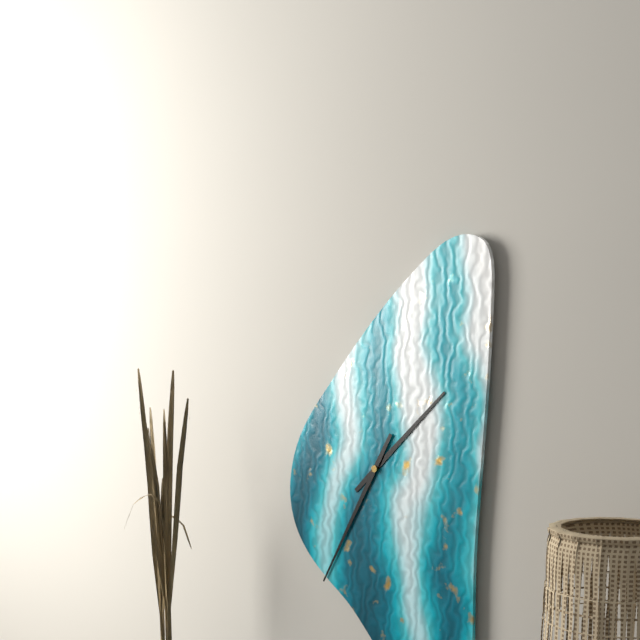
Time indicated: 1:35
